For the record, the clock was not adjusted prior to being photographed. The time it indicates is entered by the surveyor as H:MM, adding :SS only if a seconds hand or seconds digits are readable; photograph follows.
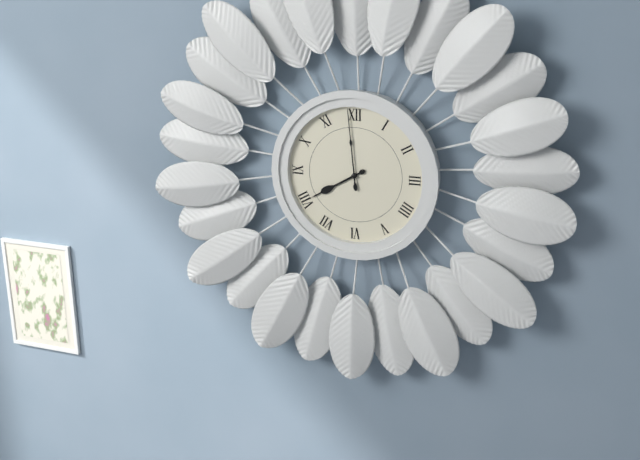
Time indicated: 7:59
